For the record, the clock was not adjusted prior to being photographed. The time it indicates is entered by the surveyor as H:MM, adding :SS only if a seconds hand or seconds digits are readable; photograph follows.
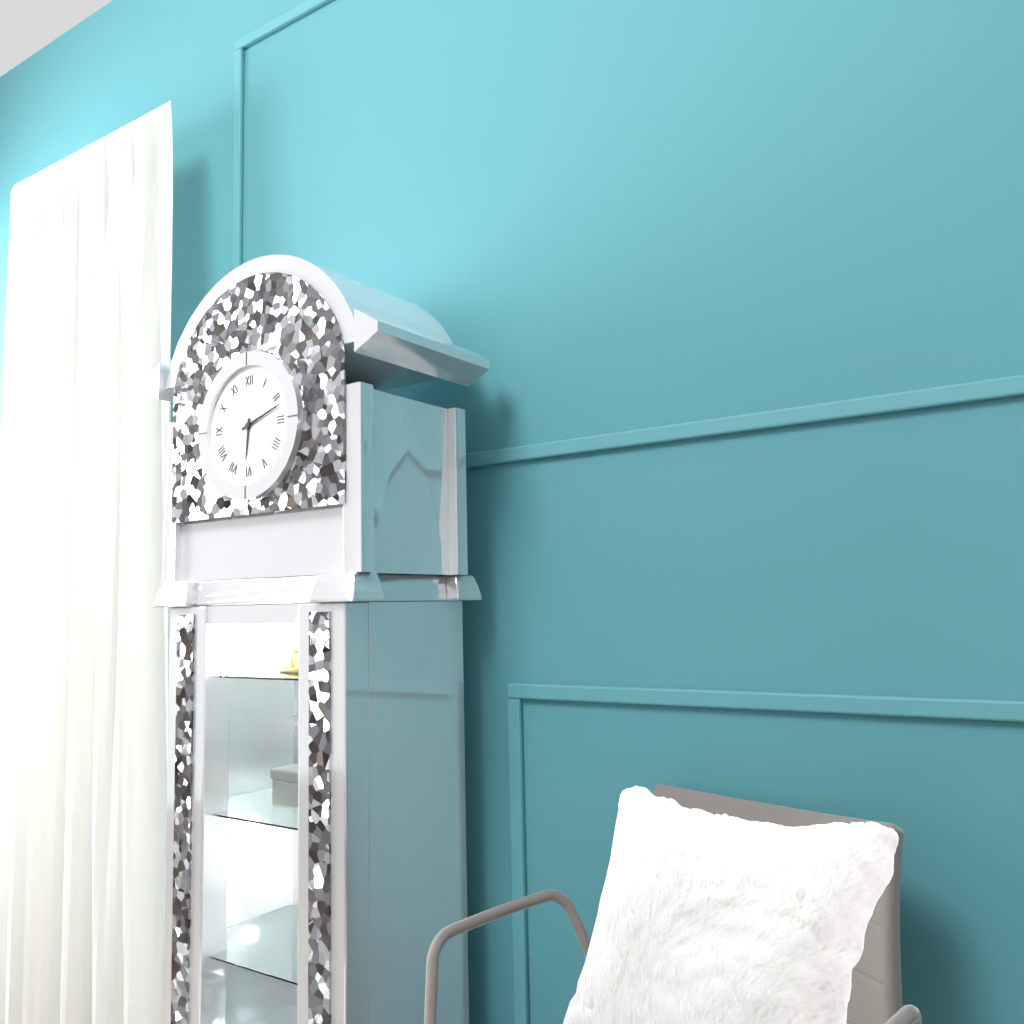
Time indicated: 6:12
